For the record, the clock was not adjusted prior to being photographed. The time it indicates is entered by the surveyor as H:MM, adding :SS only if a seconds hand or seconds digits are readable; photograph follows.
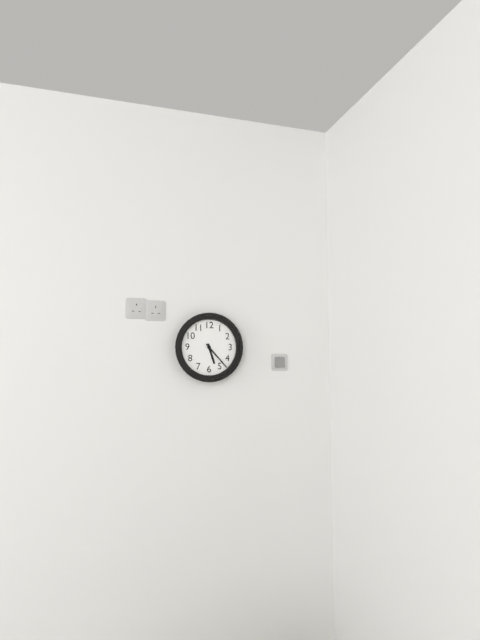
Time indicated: 5:23
